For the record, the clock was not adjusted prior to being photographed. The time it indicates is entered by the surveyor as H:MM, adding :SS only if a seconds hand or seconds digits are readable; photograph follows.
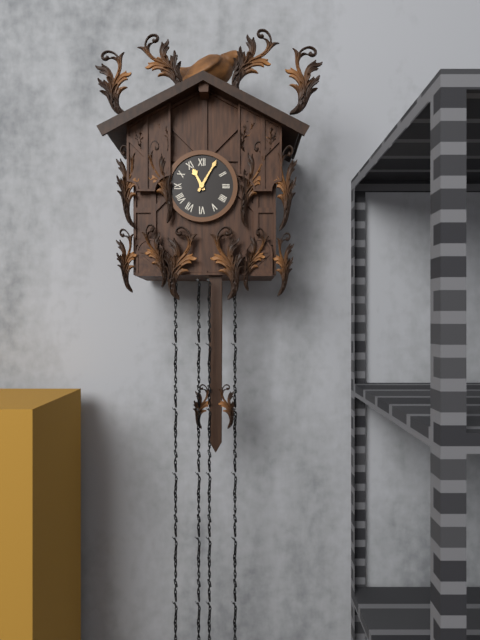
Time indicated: 11:05
